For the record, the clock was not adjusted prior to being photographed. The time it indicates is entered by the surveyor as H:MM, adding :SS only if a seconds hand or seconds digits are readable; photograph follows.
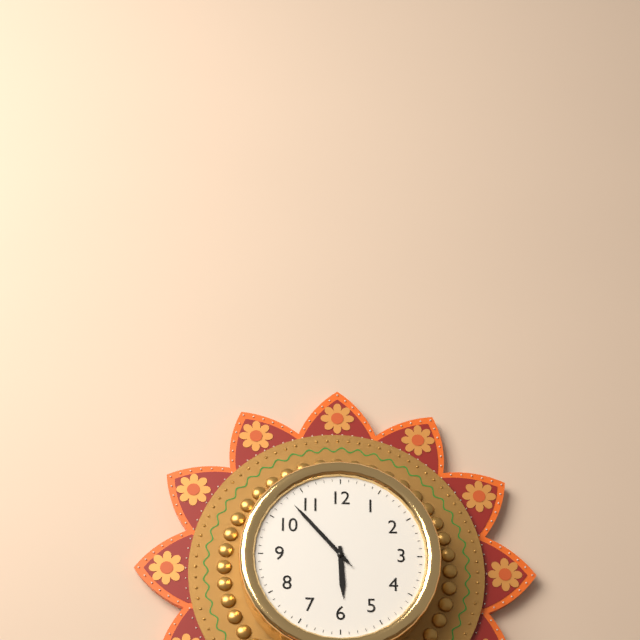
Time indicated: 5:53:53
